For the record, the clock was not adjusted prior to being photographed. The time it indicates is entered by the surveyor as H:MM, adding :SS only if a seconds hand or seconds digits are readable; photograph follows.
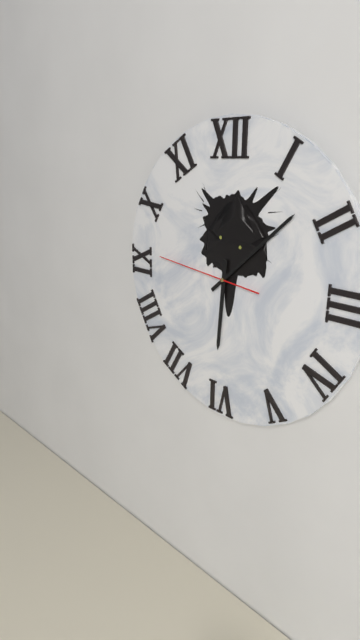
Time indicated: 6:08:46
